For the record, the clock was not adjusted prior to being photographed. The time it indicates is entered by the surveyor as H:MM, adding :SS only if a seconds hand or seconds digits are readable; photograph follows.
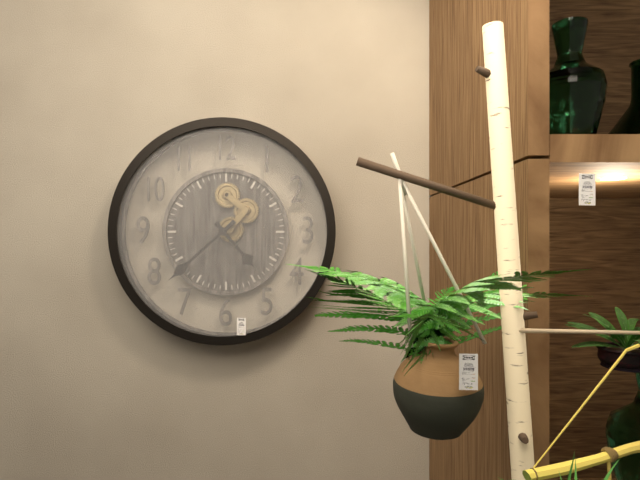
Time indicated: 4:38
